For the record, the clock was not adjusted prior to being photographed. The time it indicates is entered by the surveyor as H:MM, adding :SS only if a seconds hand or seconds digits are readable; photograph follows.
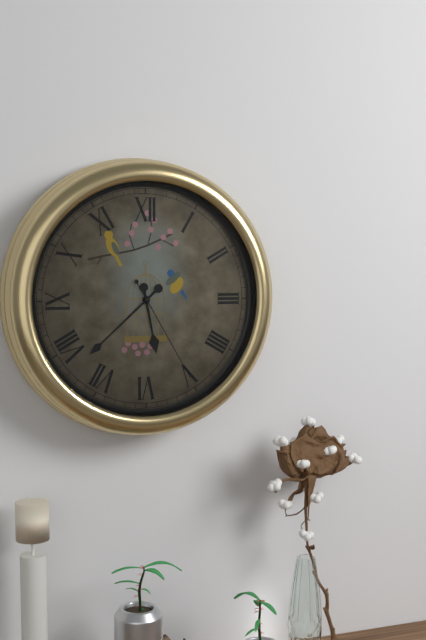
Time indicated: 5:38:25
